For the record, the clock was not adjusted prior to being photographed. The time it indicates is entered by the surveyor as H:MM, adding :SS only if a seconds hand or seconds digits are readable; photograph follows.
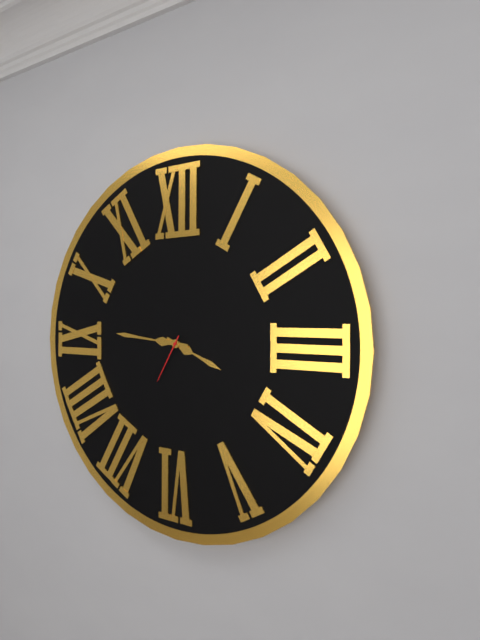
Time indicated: 3:46:35
